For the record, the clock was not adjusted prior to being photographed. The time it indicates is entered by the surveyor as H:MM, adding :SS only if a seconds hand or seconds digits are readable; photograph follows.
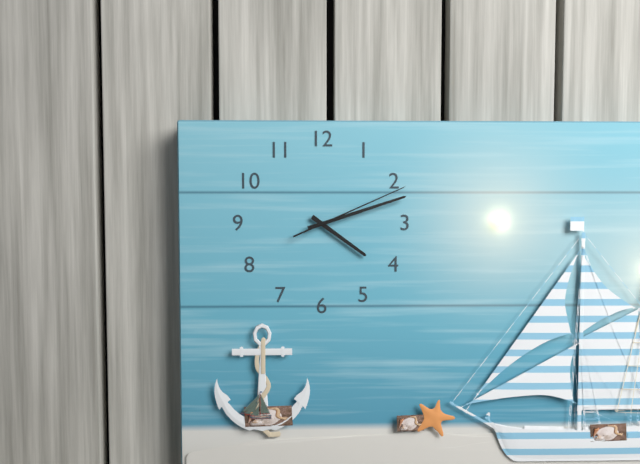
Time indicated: 4:12:11
